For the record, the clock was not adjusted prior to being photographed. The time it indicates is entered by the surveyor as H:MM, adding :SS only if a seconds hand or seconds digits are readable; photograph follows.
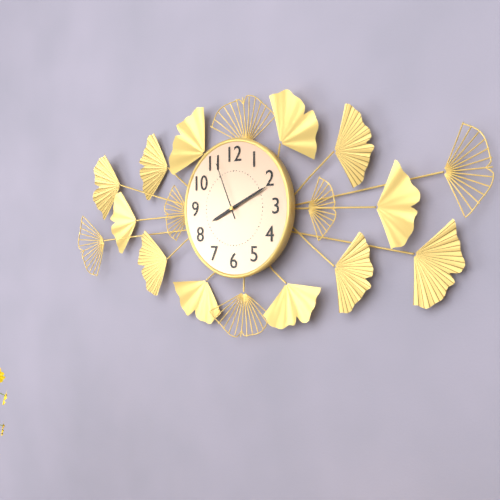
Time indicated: 8:11:56
